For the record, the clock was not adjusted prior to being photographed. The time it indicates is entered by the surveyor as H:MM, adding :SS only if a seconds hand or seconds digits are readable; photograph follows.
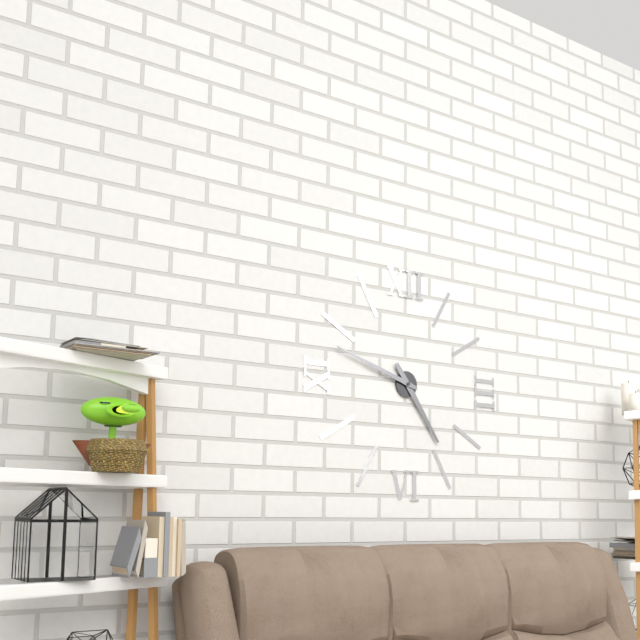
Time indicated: 4:48
